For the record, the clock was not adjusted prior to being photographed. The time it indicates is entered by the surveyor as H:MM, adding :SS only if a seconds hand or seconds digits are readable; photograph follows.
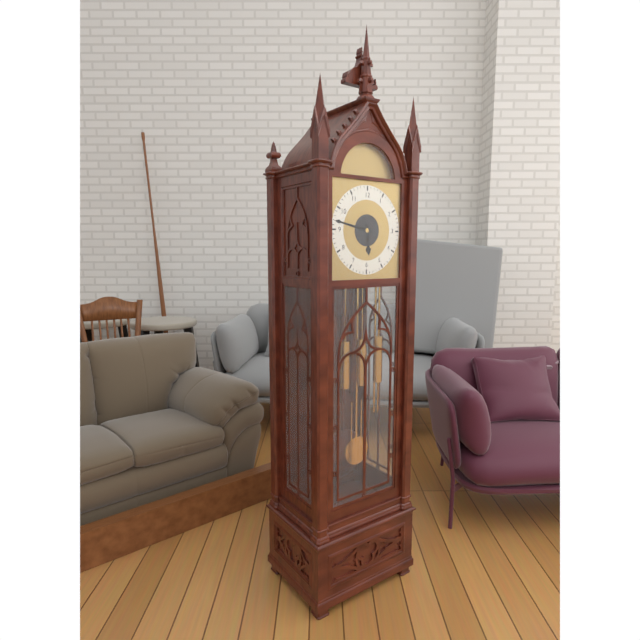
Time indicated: 5:47
